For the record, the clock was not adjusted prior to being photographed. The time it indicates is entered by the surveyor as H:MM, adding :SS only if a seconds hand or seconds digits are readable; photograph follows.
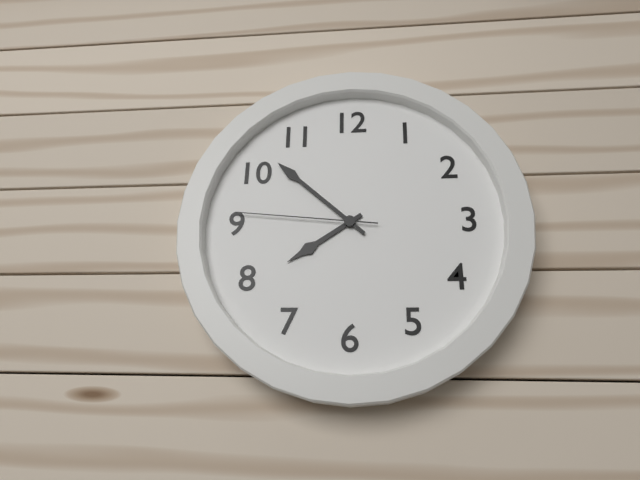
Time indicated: 7:52:46
